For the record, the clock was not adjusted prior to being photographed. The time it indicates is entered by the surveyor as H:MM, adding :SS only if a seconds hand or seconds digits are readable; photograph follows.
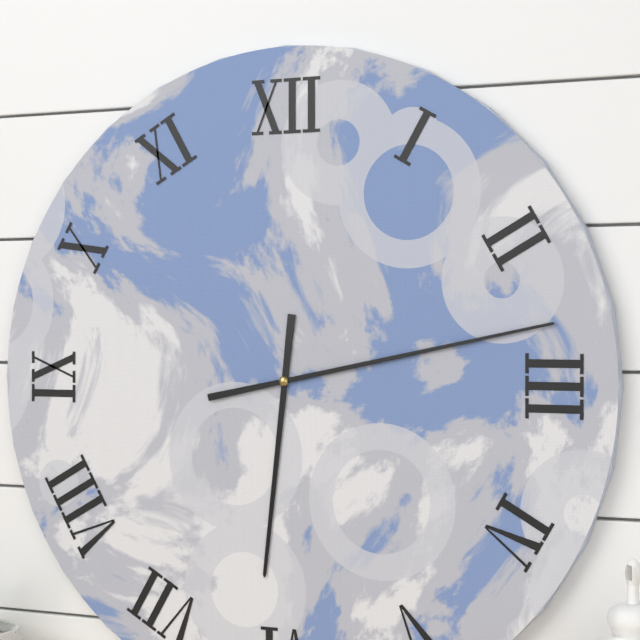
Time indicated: 6:13
